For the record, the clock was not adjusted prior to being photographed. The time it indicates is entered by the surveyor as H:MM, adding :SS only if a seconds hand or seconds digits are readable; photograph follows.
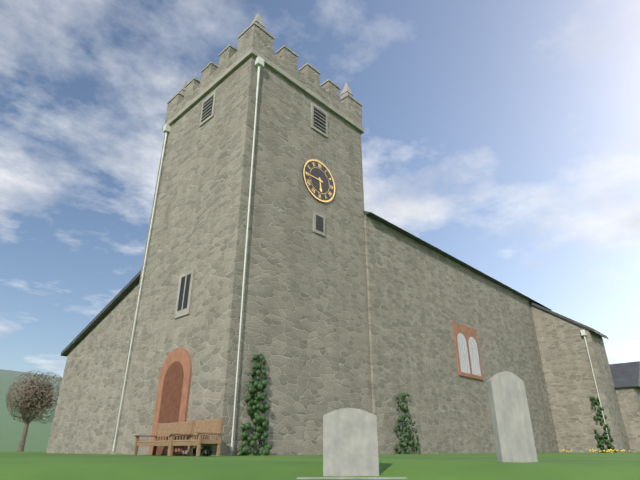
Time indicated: 5:45
